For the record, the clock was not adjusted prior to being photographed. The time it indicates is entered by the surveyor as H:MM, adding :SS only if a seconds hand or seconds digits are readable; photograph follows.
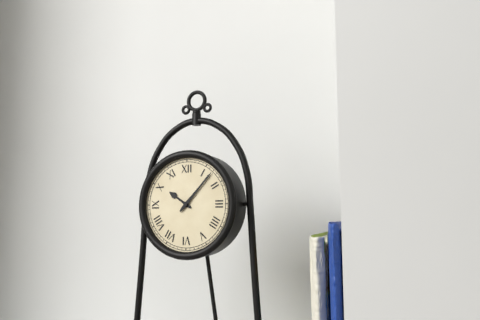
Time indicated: 10:07
